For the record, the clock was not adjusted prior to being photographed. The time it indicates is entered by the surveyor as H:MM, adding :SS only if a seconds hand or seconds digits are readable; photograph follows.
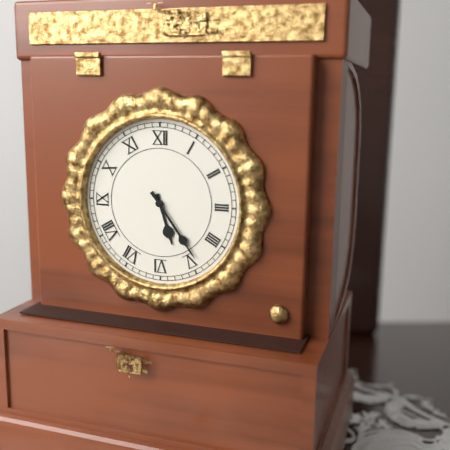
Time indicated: 5:24
